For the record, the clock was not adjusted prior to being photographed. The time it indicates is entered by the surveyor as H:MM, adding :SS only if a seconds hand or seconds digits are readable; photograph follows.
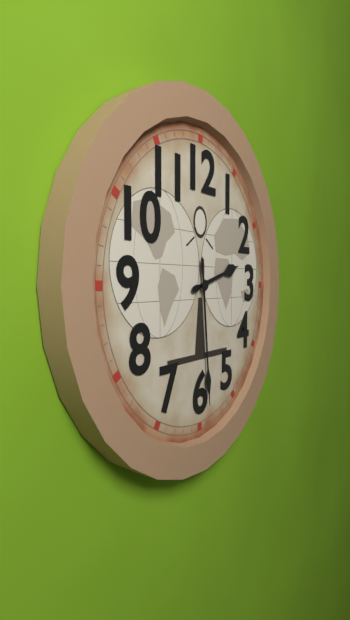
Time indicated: 2:29
